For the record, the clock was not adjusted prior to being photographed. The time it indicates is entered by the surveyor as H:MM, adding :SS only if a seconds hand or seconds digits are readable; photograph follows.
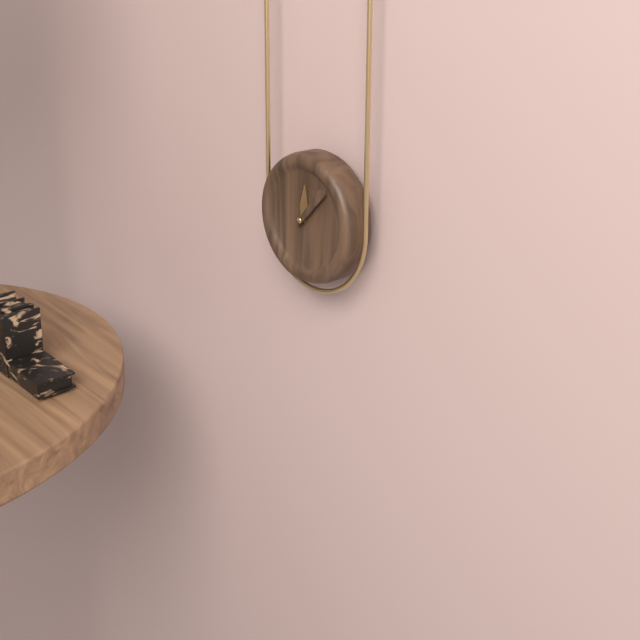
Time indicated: 12:07
